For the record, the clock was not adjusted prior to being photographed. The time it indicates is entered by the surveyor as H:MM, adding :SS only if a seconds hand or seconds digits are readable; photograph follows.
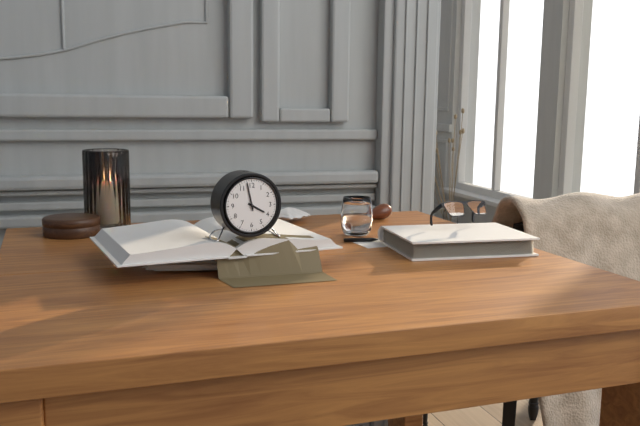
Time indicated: 3:58
